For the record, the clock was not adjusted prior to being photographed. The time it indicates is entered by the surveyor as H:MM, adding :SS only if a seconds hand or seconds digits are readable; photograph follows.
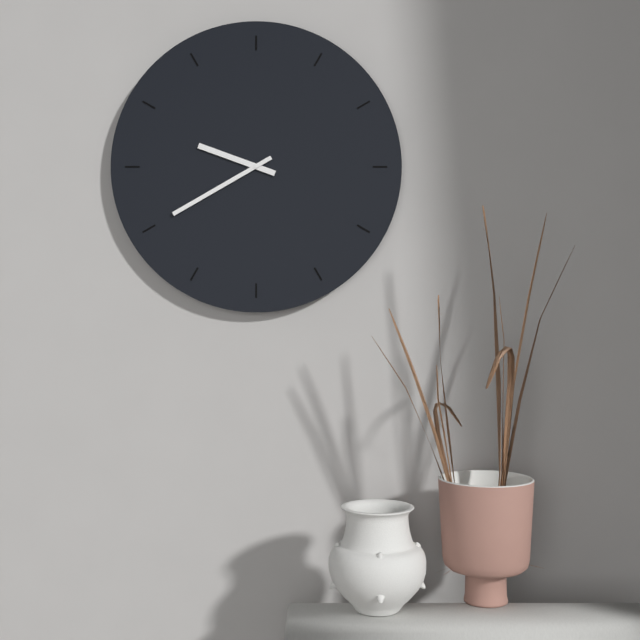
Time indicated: 9:40
